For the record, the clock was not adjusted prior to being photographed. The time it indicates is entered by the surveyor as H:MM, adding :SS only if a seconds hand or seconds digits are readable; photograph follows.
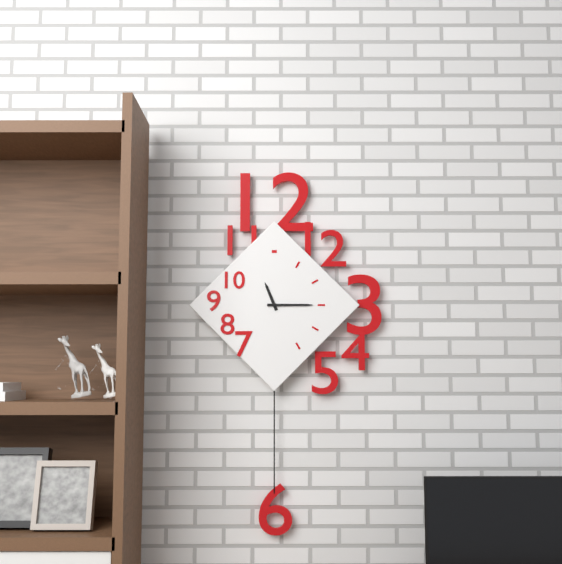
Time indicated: 11:15
